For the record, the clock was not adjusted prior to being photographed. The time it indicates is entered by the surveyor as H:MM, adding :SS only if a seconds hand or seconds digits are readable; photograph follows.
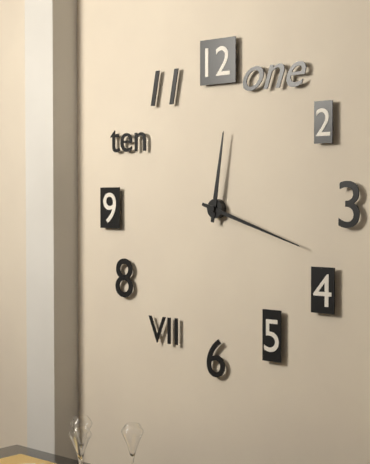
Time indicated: 12:18
